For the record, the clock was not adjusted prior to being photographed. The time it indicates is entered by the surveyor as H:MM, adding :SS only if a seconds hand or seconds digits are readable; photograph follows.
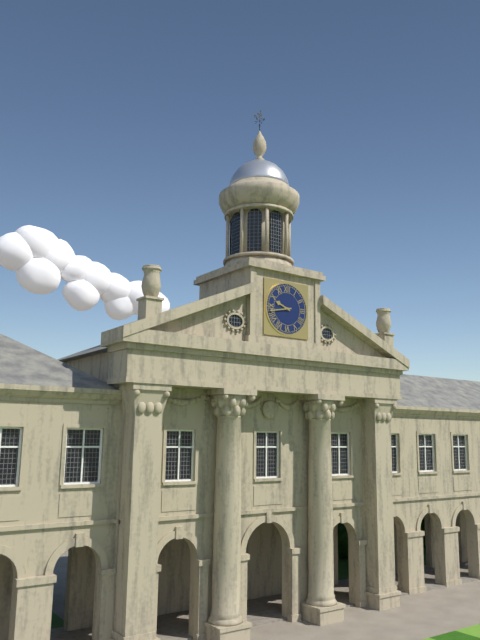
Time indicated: 9:43
